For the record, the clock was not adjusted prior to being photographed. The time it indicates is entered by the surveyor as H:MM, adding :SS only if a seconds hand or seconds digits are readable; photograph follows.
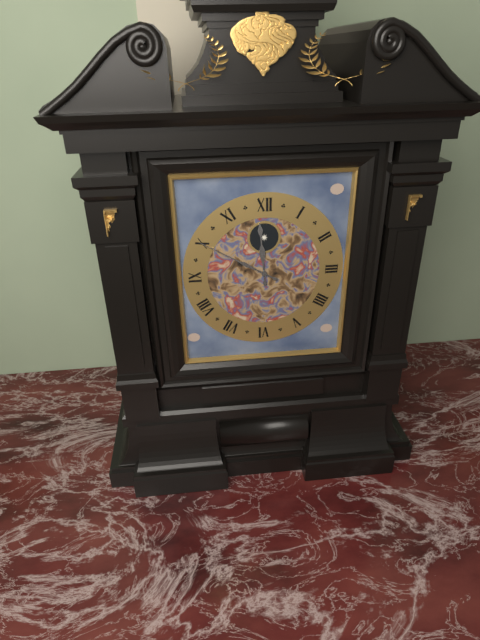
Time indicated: 11:50
